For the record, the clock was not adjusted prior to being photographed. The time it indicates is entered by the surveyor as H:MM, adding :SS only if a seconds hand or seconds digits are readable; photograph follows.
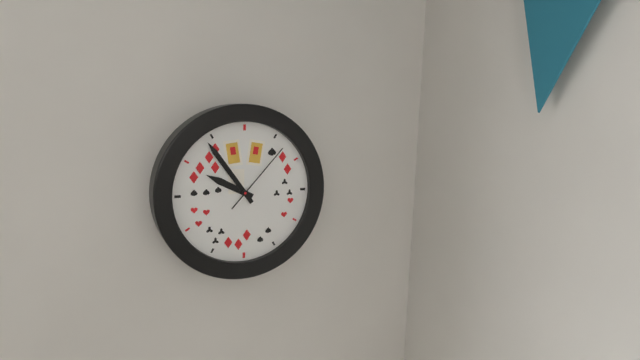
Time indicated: 9:54:07
